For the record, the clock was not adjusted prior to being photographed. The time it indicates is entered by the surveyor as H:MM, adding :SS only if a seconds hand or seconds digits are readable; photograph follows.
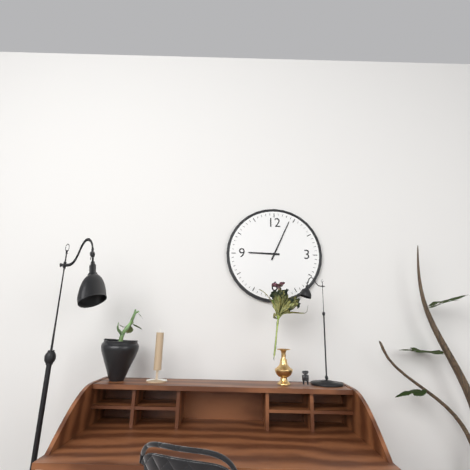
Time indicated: 9:04
